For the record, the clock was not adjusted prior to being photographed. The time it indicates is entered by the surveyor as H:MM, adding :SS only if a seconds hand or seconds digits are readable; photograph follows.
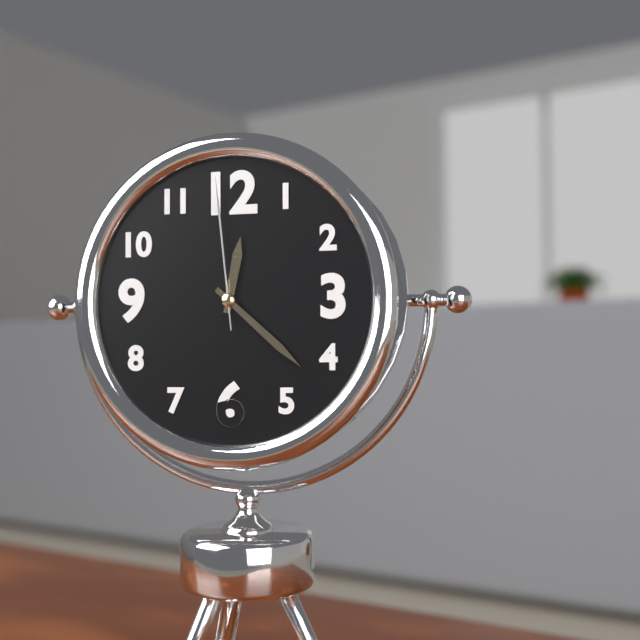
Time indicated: 12:22:59
